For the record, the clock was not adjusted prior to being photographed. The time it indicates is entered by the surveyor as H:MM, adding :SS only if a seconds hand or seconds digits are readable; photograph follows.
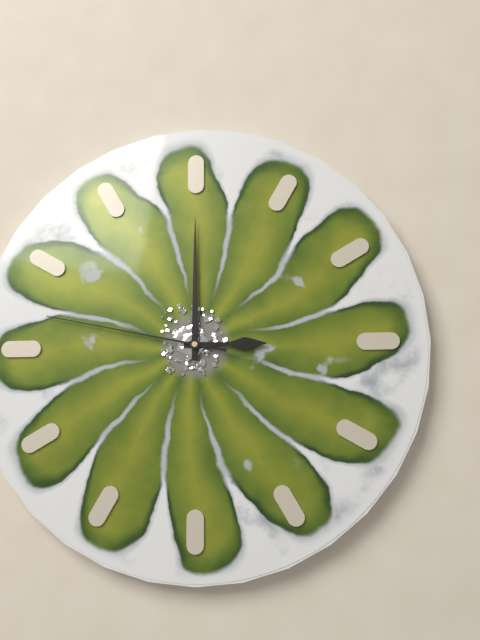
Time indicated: 3:00:47
